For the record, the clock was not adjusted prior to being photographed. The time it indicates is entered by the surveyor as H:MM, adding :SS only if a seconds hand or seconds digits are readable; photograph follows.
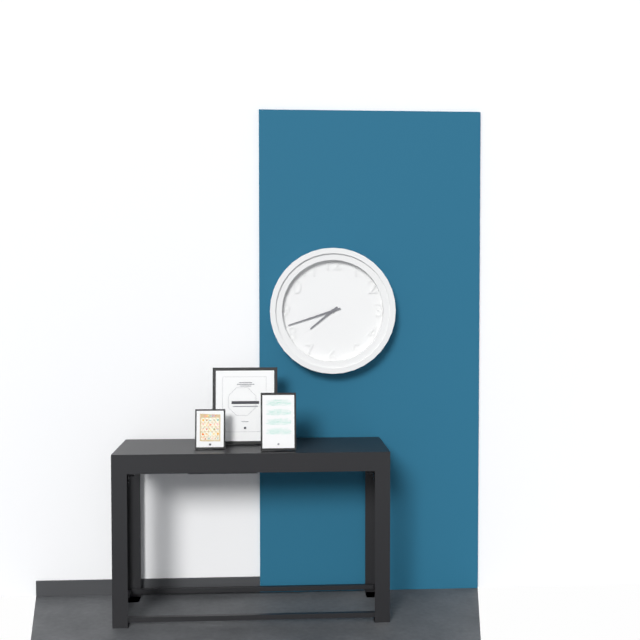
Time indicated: 7:42
